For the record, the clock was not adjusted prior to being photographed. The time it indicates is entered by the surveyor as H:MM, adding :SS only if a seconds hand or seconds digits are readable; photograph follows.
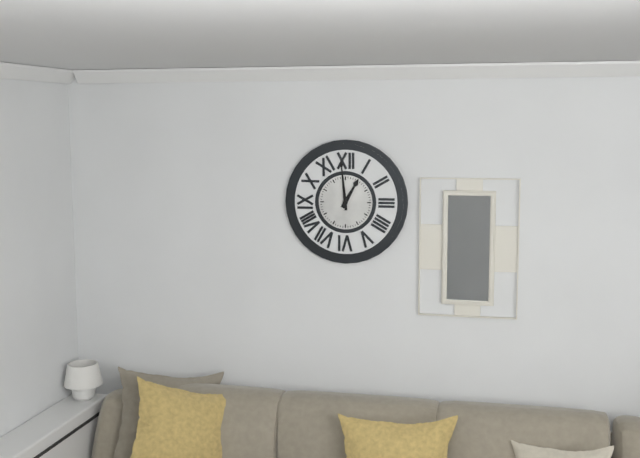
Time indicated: 12:59
